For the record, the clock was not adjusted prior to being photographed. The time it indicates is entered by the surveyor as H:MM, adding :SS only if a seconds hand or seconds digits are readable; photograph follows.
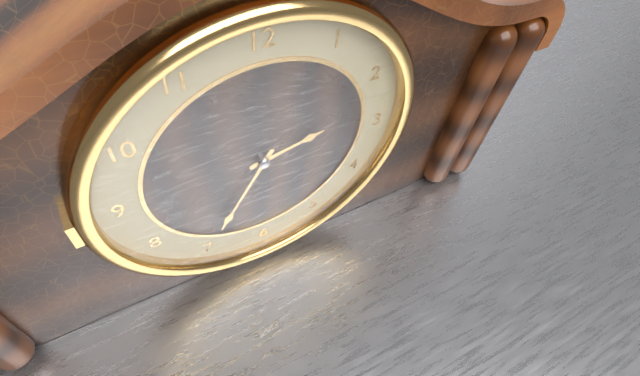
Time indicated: 2:35
